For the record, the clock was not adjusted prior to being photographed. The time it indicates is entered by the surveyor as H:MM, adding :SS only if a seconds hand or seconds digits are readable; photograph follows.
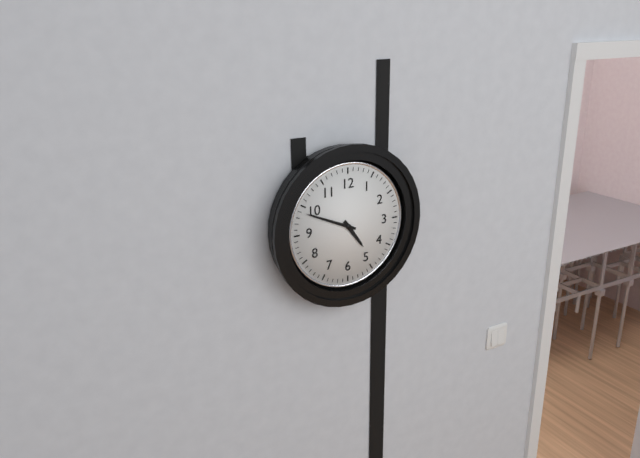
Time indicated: 4:49
